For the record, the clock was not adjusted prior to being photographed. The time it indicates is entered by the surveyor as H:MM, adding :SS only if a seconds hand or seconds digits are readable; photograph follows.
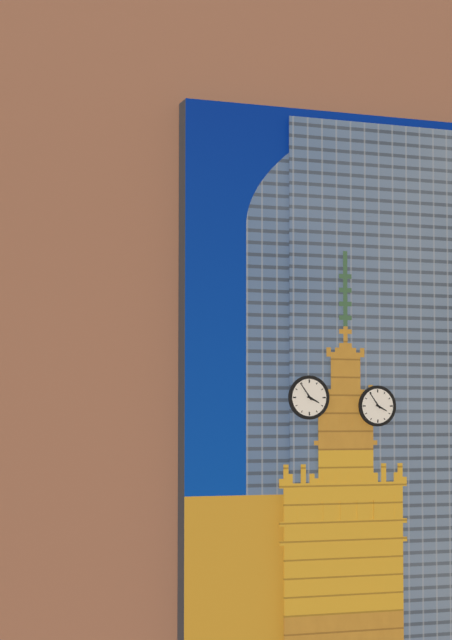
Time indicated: 3:54
